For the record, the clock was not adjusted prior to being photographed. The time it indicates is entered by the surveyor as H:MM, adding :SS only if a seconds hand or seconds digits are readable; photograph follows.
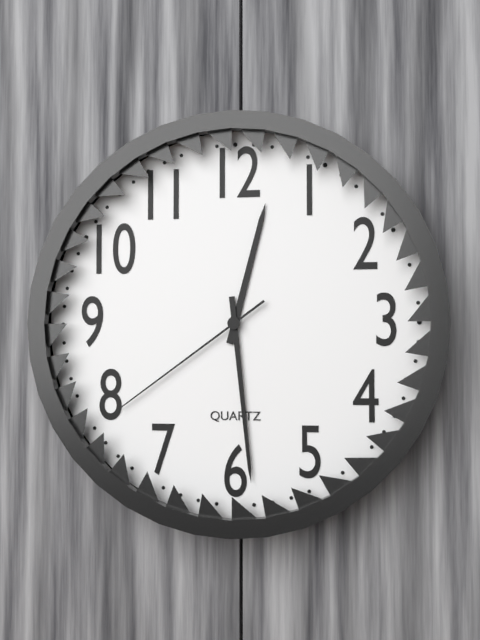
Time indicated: 12:29:39
